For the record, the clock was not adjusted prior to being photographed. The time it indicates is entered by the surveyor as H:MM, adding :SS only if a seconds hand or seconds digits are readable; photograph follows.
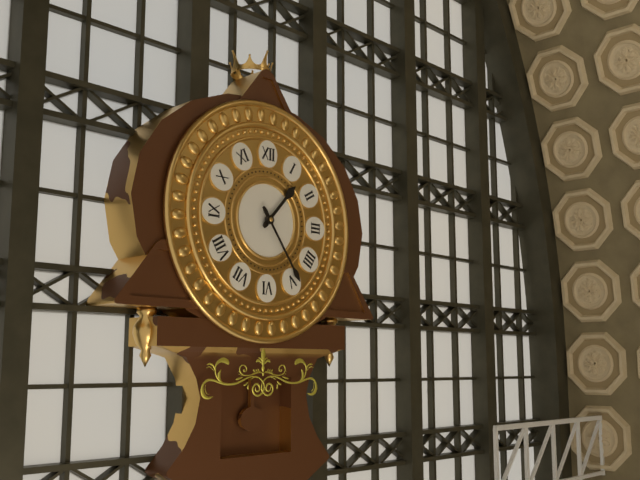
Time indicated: 1:24
